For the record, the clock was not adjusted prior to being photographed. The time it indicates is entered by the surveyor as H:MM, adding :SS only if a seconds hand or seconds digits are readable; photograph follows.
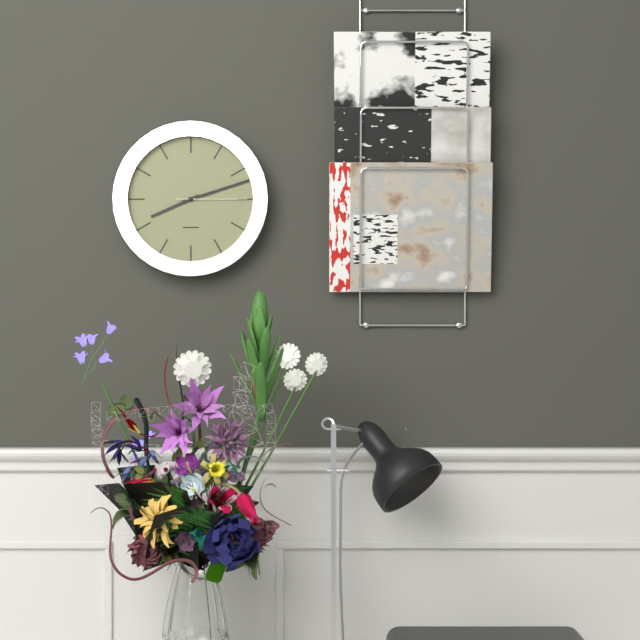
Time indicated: 8:12:15
